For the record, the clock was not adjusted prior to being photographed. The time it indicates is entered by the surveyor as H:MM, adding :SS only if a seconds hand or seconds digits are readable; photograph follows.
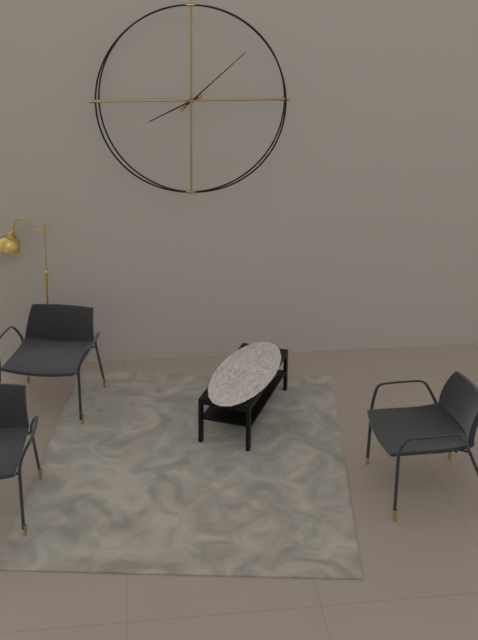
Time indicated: 8:08
